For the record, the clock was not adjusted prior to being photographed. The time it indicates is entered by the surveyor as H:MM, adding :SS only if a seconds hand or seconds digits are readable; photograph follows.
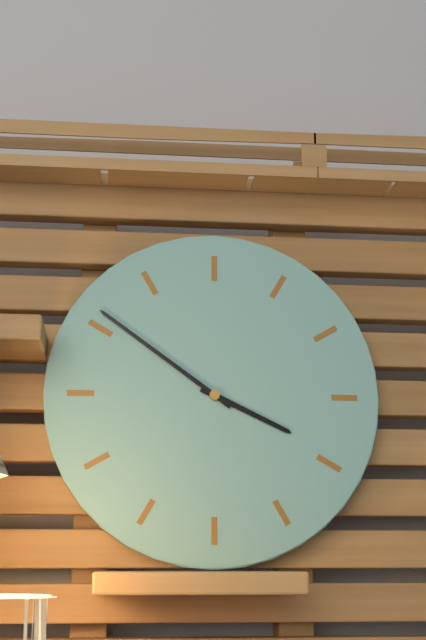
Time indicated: 3:51
